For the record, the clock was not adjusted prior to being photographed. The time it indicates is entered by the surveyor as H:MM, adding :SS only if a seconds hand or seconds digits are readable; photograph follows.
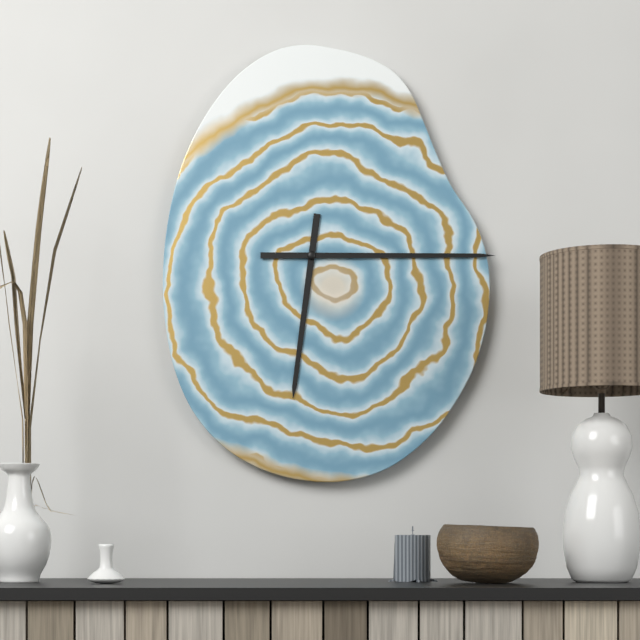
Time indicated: 6:15
